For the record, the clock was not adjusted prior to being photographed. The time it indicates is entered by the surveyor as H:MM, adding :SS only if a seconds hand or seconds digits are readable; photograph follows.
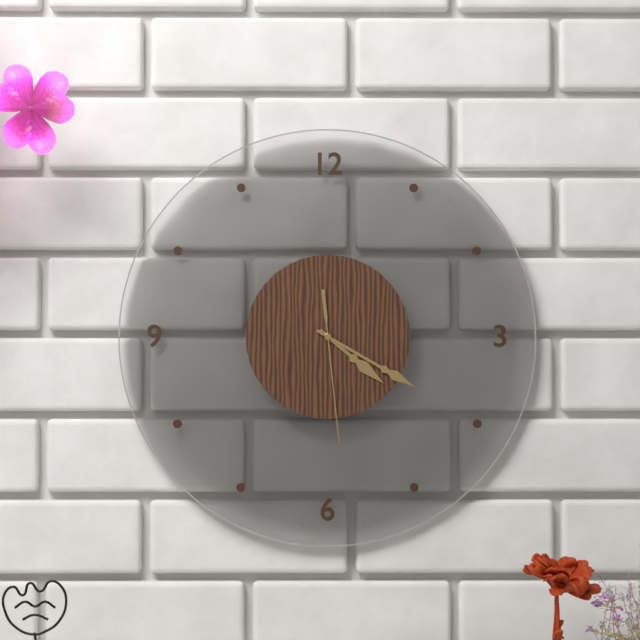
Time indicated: 4:20:29
